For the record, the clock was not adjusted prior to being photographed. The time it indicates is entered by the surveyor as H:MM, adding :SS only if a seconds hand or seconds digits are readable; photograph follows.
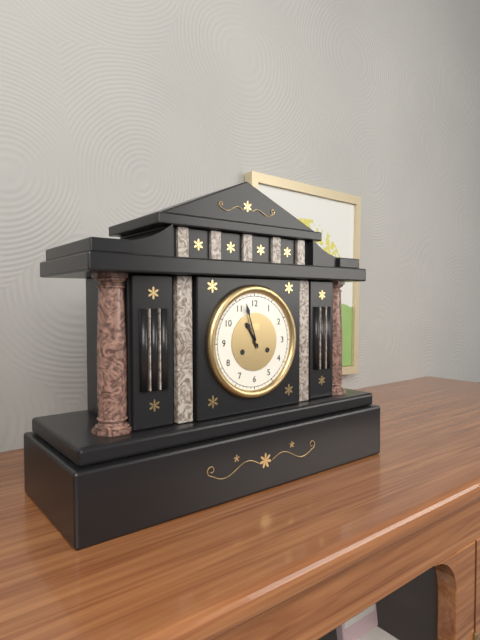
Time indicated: 10:57
